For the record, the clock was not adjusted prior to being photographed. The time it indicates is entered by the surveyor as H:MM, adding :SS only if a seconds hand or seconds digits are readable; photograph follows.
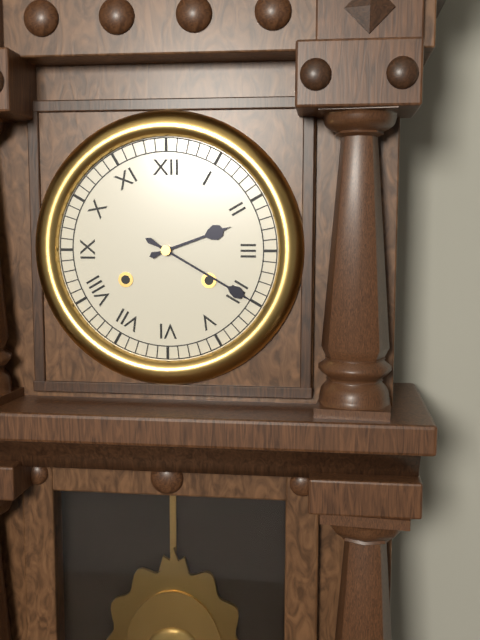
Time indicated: 2:20
